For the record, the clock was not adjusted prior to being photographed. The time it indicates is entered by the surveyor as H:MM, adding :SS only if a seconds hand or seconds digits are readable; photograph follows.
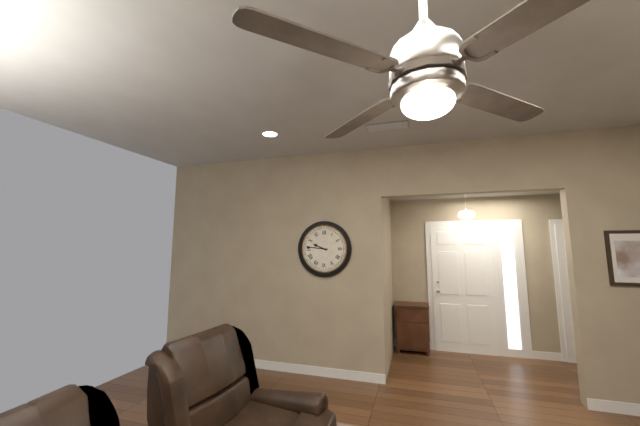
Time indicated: 9:46
